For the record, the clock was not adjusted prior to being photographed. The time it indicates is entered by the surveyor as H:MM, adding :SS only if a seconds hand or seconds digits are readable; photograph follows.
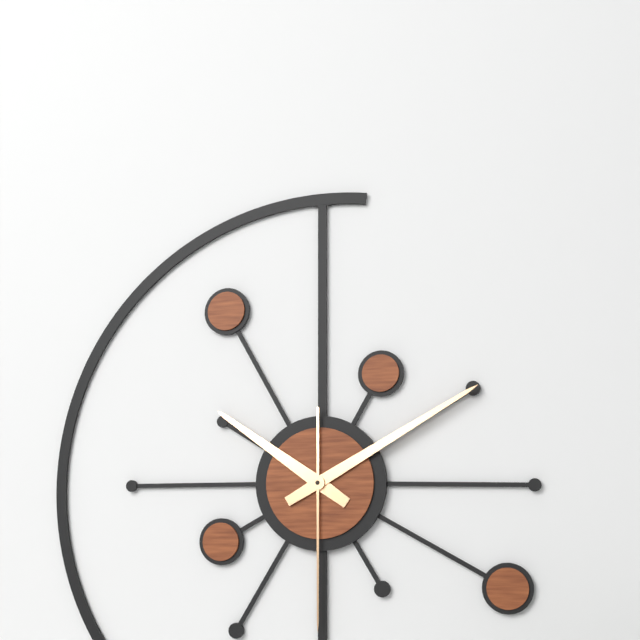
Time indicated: 10:10:30
